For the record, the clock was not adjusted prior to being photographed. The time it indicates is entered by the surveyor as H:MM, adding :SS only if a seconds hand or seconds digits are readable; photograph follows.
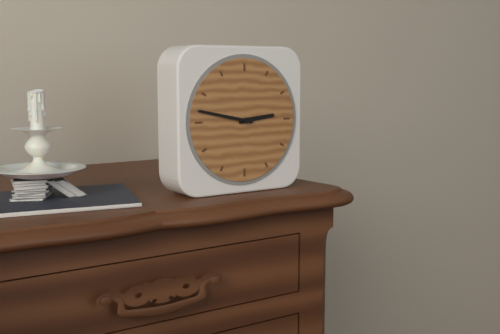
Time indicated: 2:47
